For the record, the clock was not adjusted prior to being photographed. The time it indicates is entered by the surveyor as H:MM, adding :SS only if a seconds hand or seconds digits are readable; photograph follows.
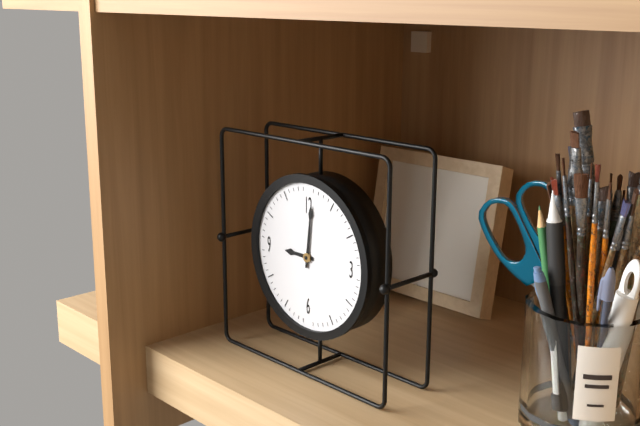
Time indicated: 9:01
